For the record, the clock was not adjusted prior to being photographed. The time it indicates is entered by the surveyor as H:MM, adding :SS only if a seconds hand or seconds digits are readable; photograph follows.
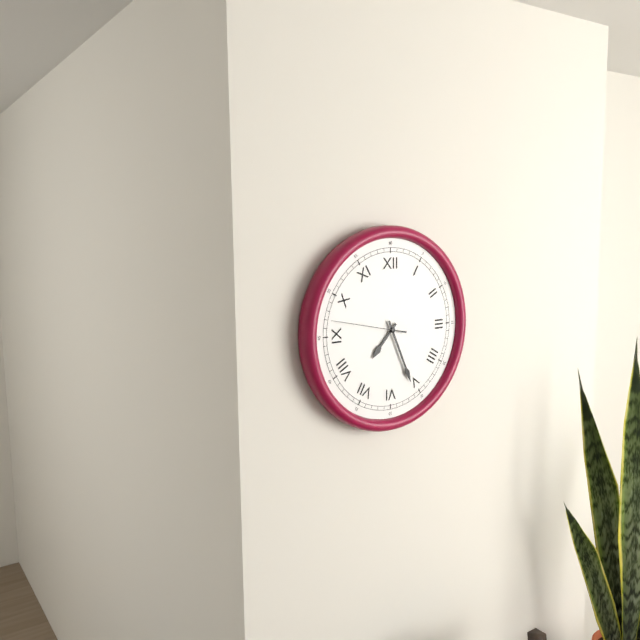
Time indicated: 7:26:47
